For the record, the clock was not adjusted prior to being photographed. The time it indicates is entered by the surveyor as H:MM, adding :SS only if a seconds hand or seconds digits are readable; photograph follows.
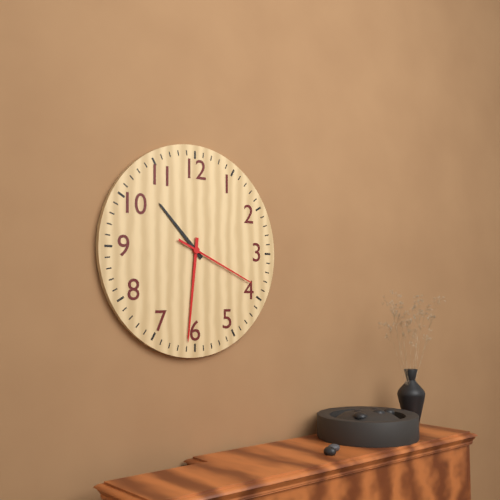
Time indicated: 10:31:19
